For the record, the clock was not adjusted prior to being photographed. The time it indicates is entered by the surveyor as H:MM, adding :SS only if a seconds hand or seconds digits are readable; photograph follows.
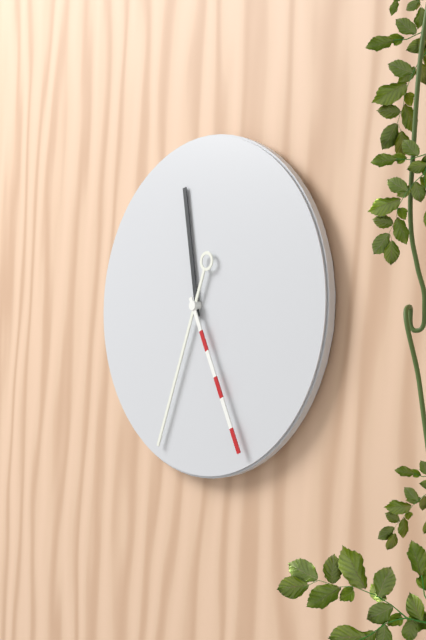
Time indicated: 11:33:25
